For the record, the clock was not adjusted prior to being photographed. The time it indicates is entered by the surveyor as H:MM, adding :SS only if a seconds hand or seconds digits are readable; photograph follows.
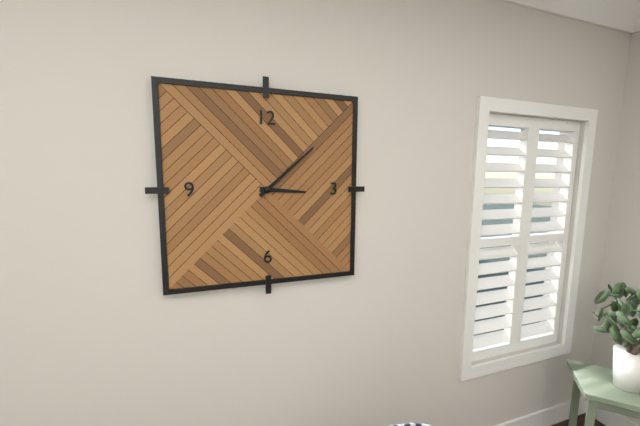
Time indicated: 3:08
